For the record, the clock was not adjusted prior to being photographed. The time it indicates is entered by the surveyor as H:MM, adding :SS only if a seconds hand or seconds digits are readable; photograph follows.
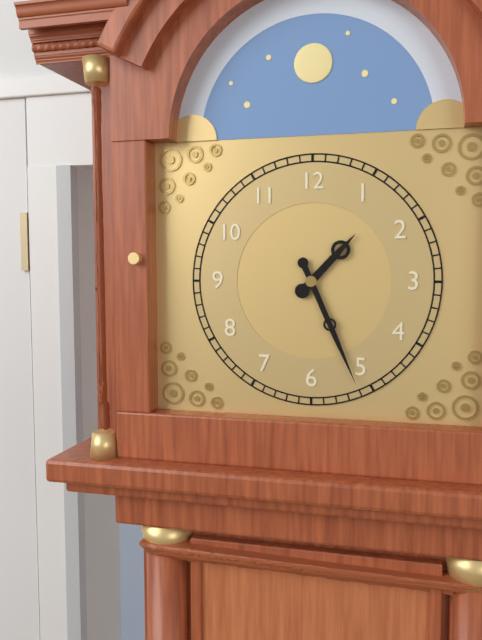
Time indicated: 1:26
